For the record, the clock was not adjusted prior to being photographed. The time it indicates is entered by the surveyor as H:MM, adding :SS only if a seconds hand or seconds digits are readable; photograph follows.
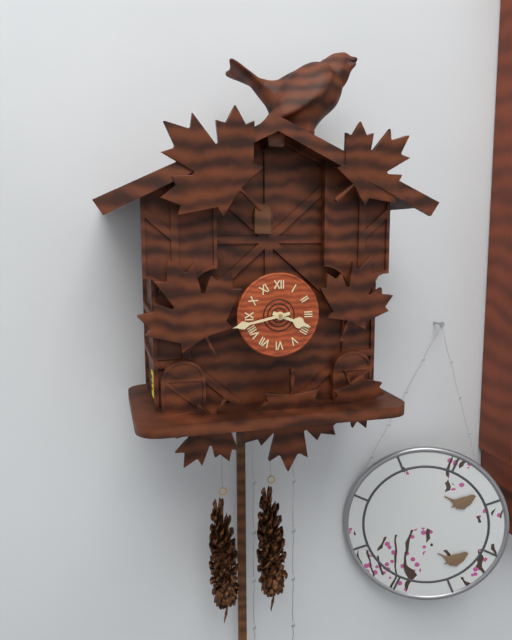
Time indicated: 3:43
